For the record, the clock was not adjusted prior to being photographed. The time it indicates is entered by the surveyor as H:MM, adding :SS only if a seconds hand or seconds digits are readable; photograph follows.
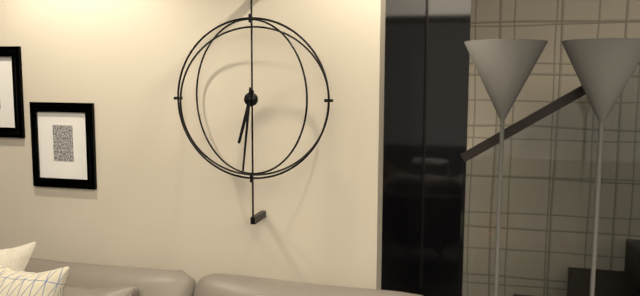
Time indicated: 6:31
